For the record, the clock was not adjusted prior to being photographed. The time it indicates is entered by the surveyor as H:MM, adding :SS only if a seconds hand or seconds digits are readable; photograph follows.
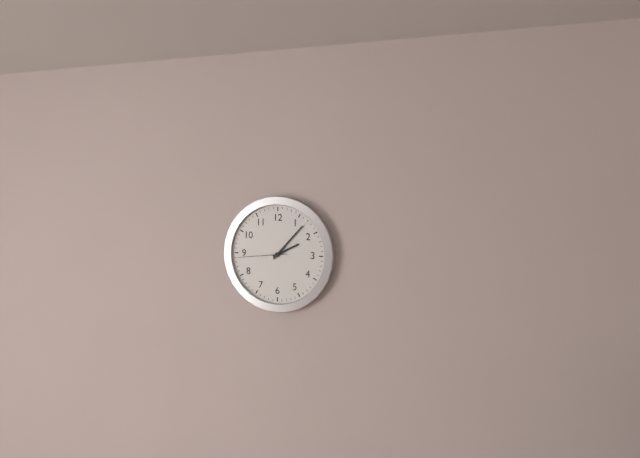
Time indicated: 2:07
